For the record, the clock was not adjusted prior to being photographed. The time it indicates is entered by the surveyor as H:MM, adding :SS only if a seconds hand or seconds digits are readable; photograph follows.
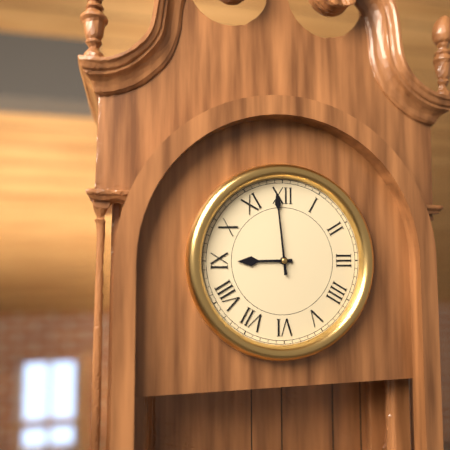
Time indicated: 8:59
